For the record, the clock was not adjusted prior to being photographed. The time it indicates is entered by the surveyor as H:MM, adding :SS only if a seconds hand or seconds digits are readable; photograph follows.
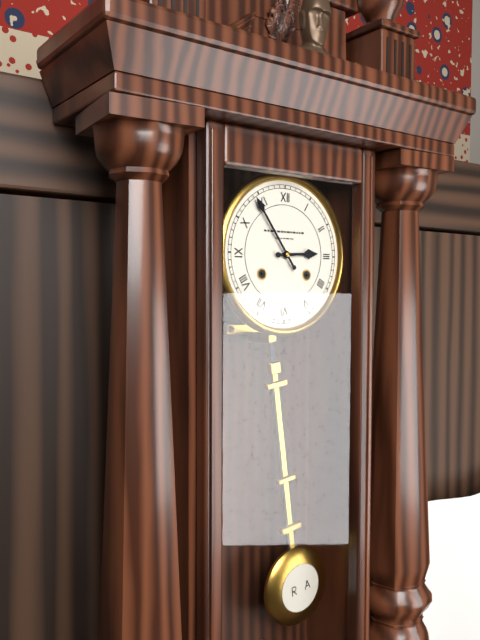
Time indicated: 2:54
